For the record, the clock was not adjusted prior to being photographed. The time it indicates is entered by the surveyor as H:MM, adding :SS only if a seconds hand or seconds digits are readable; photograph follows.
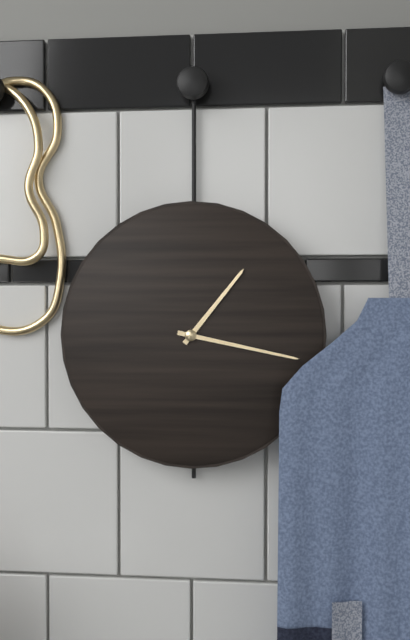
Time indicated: 1:17
